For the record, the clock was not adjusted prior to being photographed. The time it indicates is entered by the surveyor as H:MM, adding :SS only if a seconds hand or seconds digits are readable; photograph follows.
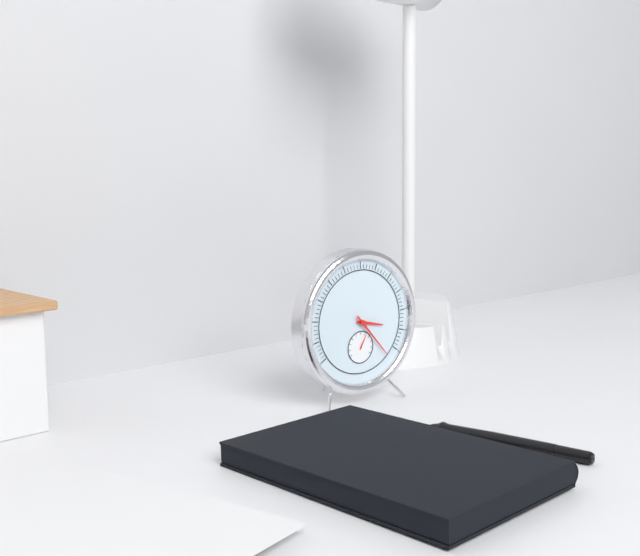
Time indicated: 3:23
